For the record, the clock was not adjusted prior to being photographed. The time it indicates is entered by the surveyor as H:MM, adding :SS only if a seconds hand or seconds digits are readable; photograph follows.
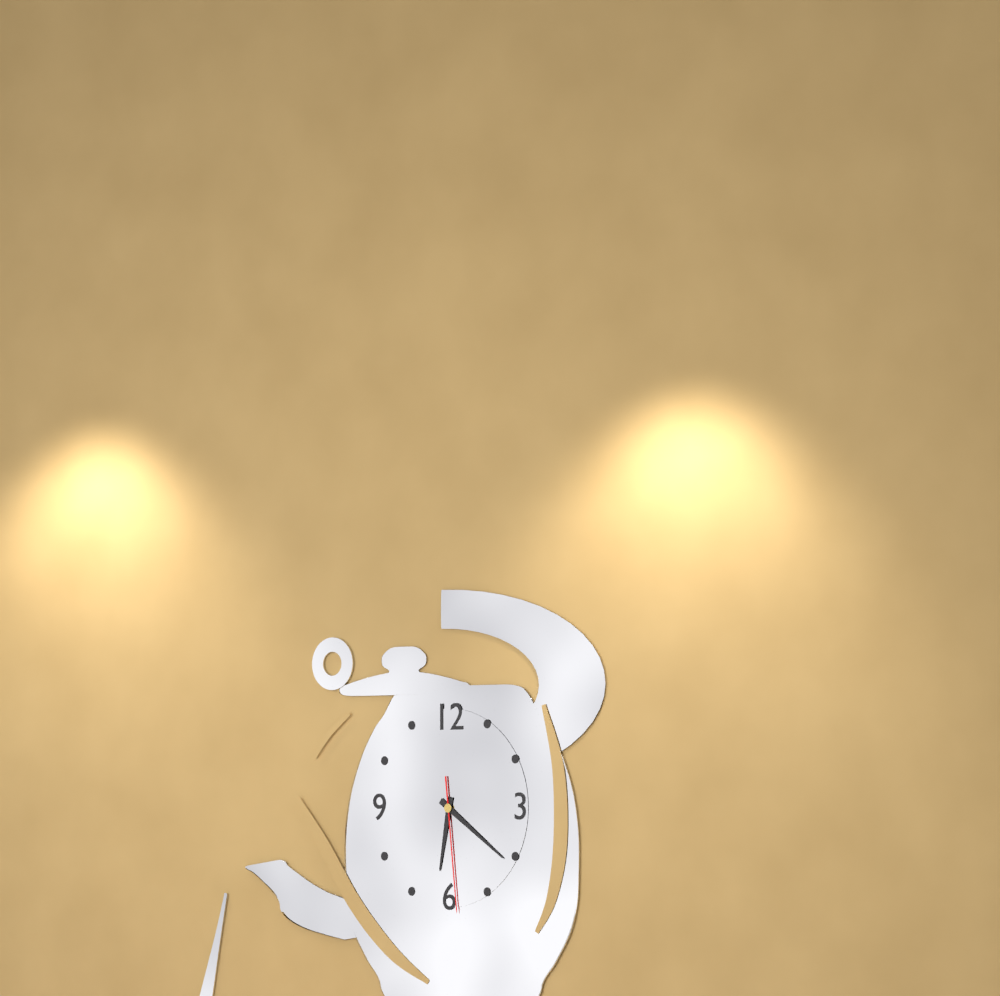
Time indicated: 6:21:29
